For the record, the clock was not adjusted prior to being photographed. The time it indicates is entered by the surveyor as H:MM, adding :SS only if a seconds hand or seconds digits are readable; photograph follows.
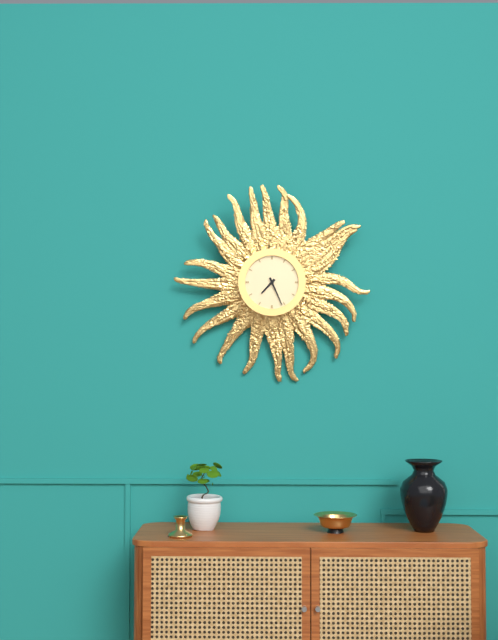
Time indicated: 7:26
